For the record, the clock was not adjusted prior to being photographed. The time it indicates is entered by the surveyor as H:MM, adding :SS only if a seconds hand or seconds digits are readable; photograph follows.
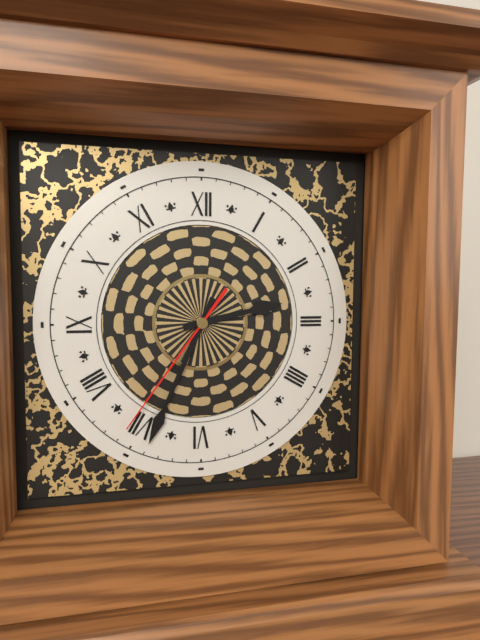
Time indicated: 2:34:36
